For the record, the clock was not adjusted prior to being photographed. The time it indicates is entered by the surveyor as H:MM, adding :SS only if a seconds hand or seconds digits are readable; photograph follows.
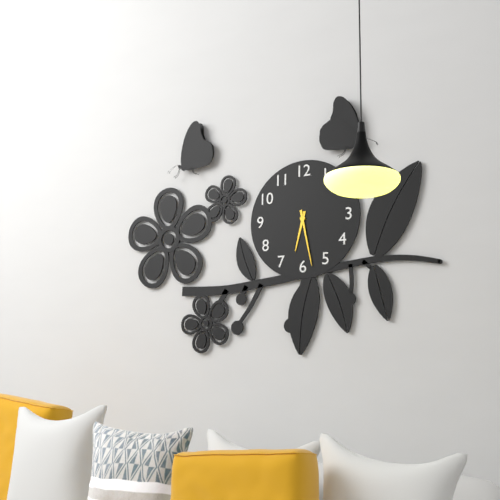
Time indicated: 6:28
